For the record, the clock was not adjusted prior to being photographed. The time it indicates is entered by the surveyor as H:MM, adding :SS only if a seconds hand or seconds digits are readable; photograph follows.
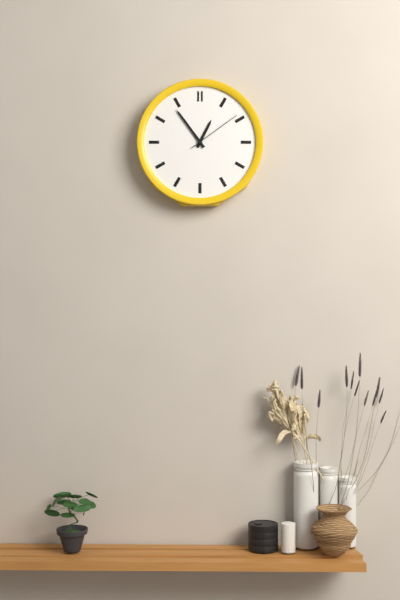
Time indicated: 12:54:09
